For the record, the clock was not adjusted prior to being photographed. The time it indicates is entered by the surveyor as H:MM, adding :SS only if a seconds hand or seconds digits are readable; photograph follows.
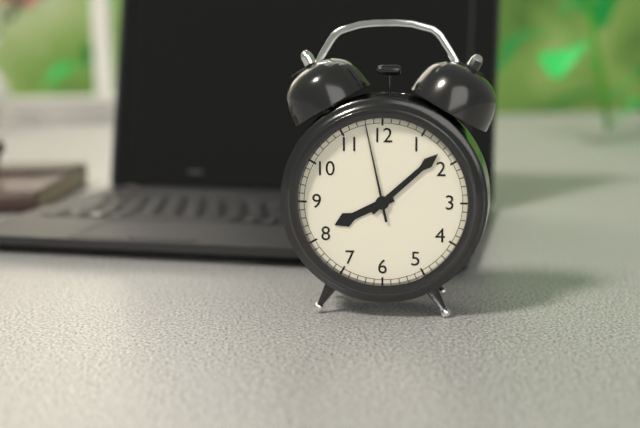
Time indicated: 8:08:58
